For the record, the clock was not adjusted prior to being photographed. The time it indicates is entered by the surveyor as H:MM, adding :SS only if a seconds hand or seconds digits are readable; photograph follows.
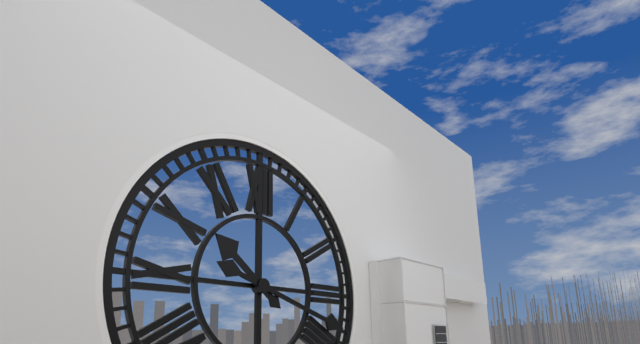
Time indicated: 10:18
